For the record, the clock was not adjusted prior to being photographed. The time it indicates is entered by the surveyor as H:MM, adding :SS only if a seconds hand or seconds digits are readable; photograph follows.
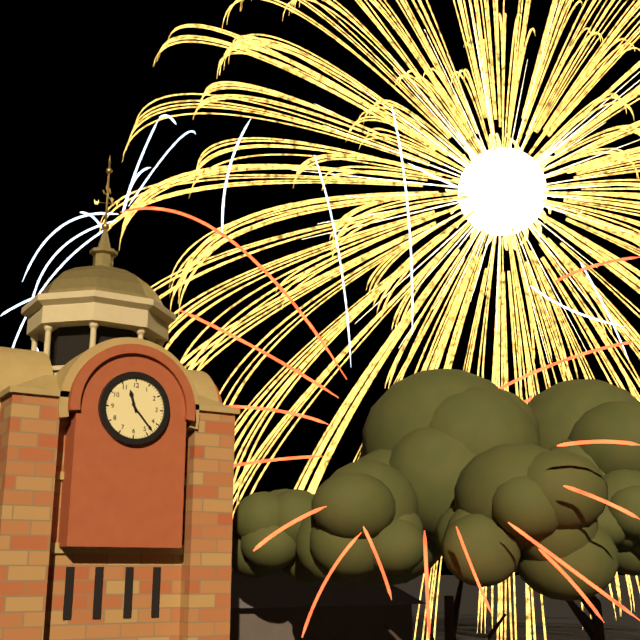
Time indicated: 11:23
